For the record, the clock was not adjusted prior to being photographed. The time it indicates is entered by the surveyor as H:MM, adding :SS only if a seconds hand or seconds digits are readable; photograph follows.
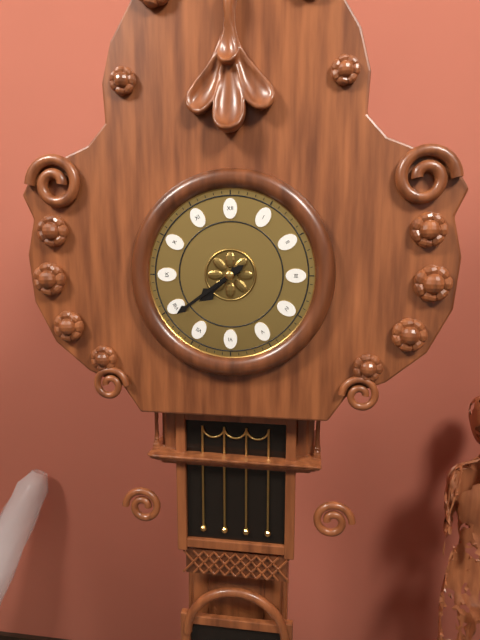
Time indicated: 7:39
